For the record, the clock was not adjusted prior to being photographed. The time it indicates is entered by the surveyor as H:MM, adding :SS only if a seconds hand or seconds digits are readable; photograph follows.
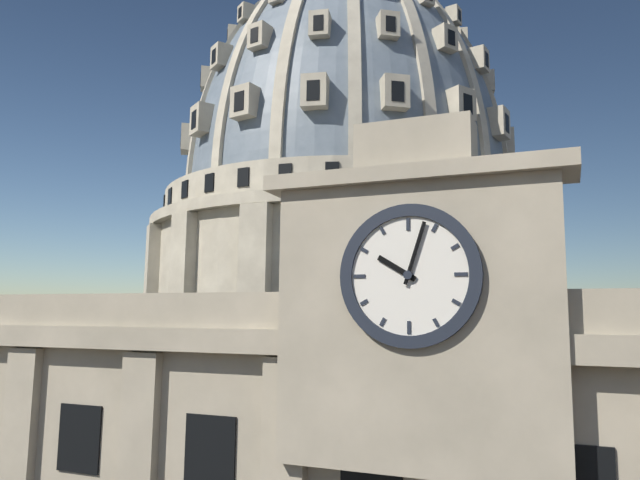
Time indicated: 10:03
